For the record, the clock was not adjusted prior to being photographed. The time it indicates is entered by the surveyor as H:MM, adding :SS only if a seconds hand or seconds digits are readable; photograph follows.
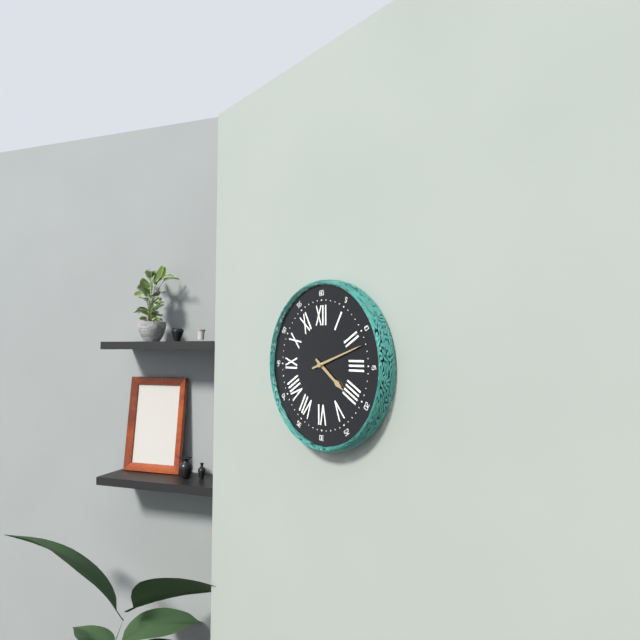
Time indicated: 4:12
